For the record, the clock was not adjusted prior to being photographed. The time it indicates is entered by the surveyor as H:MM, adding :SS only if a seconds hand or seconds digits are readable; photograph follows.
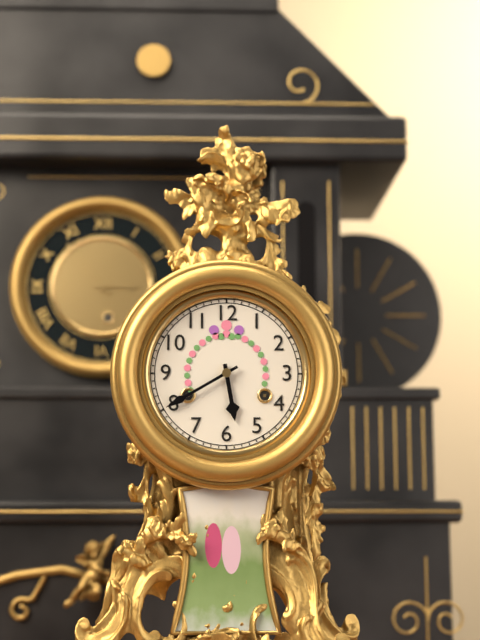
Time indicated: 5:40
